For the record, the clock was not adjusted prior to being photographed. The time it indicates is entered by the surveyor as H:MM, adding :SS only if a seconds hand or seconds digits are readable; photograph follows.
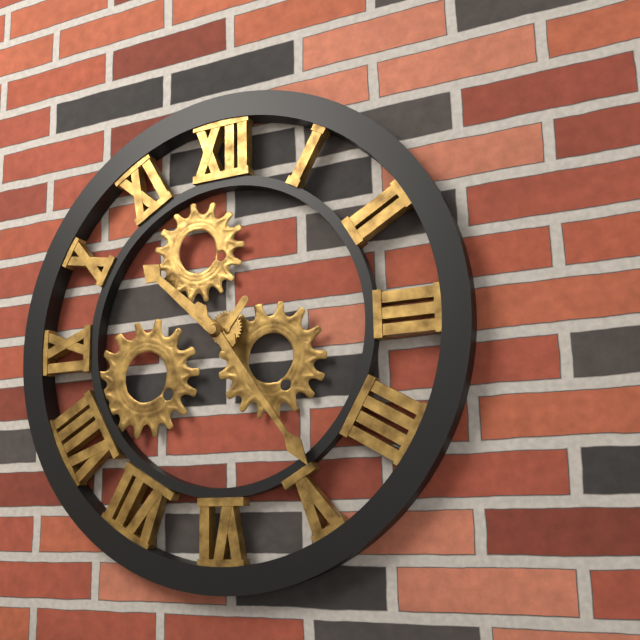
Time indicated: 10:24
